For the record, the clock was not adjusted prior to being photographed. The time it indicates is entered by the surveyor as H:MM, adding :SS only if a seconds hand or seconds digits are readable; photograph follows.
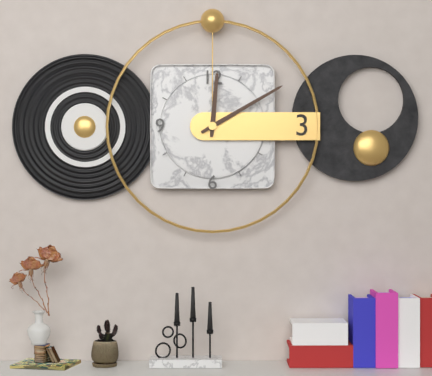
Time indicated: 12:10
